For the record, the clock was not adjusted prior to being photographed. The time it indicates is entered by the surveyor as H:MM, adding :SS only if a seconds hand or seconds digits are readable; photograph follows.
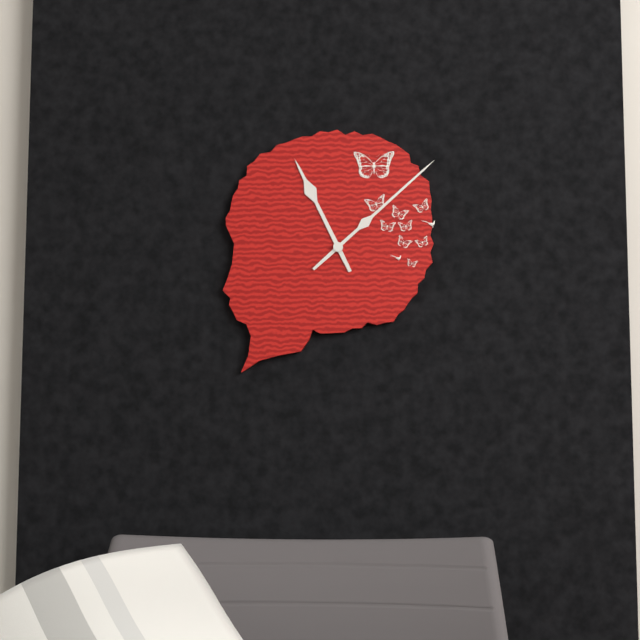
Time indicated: 11:08
